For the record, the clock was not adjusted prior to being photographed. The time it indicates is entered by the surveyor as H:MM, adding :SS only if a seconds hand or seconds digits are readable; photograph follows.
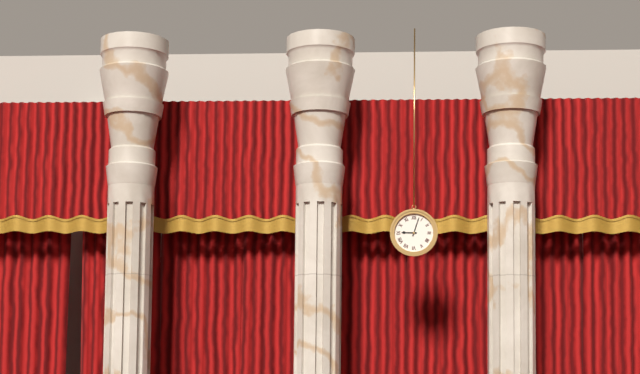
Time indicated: 9:03
